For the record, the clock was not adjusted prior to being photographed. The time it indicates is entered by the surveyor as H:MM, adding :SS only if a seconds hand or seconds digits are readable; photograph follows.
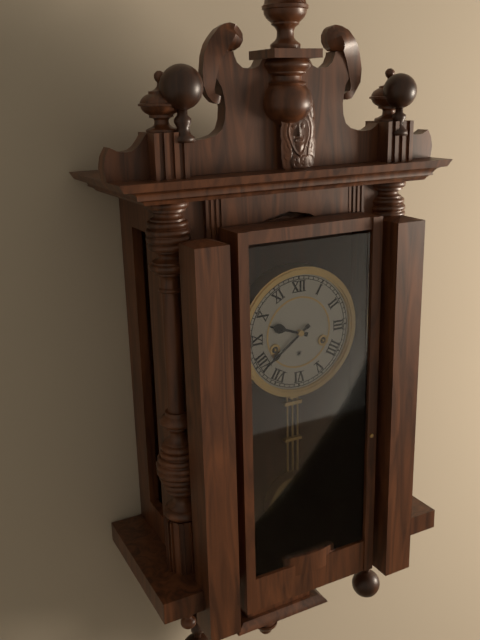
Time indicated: 9:39
